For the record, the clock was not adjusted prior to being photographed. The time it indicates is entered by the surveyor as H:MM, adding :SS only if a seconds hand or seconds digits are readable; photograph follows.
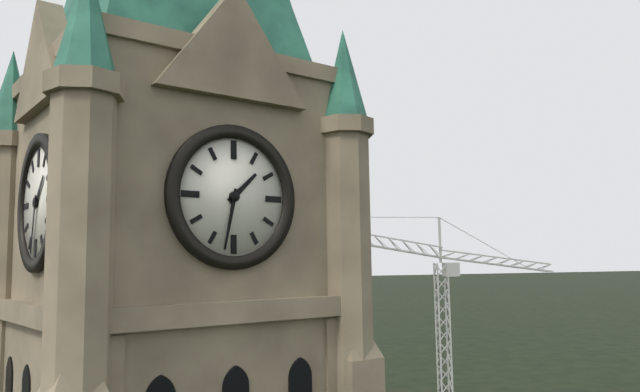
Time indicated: 1:32
